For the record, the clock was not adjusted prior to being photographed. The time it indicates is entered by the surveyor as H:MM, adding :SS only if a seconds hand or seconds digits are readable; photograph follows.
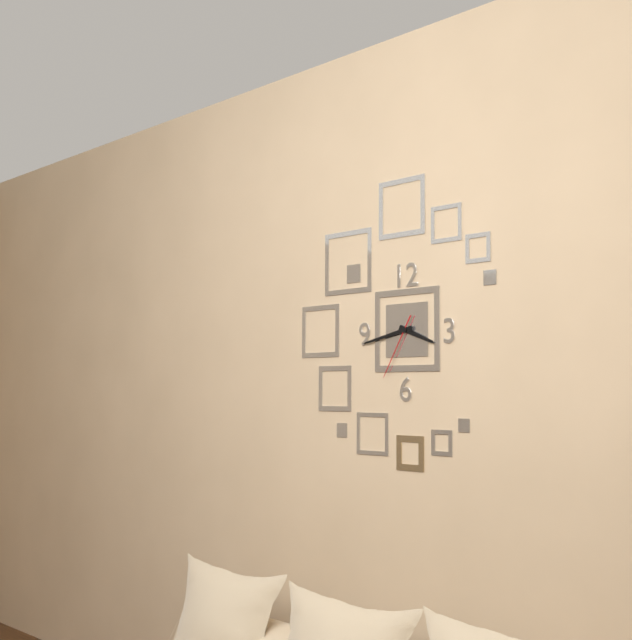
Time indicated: 3:43:35
